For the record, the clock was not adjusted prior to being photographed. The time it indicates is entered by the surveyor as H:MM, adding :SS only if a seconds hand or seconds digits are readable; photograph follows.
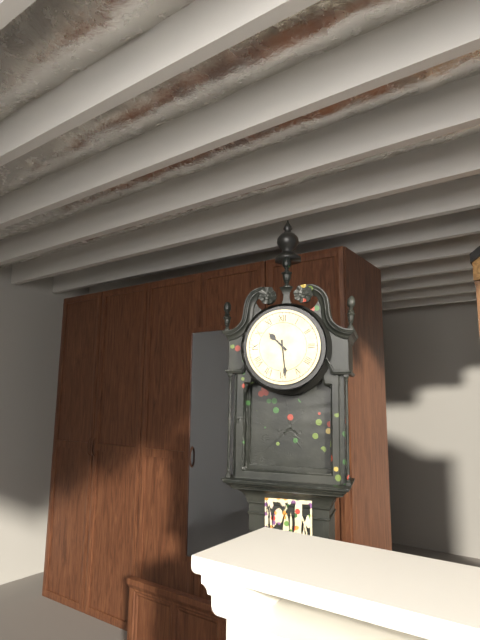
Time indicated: 10:29
